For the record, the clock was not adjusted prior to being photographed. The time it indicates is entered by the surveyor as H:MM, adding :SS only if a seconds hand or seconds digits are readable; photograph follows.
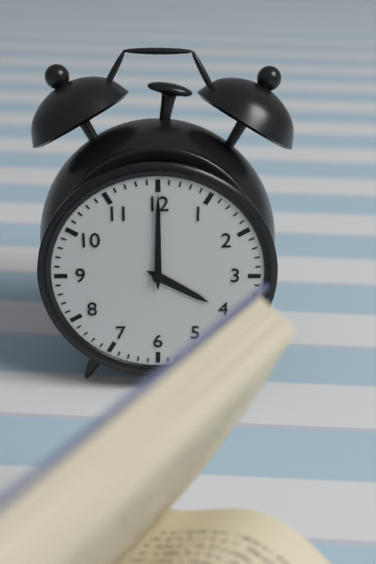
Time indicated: 4:00
